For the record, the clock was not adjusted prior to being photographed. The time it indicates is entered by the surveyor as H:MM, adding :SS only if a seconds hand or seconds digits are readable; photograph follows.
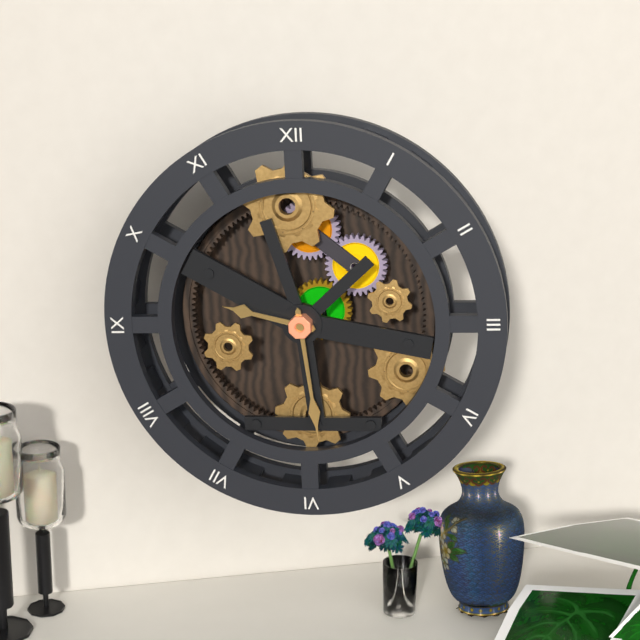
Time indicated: 9:29
